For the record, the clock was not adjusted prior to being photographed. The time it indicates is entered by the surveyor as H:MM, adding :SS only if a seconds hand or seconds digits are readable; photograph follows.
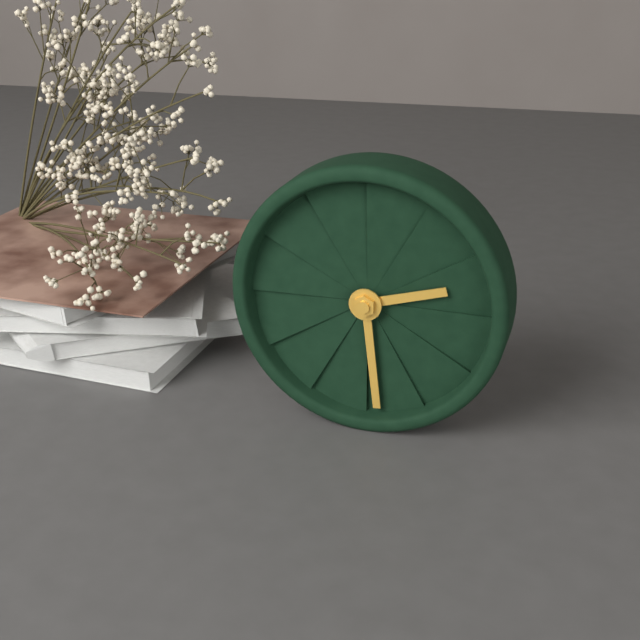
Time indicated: 2:29
